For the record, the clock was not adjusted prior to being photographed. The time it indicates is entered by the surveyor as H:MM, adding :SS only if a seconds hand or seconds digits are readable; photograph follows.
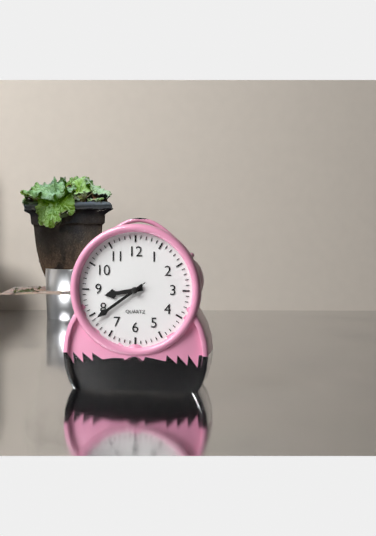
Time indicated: 8:39:39
